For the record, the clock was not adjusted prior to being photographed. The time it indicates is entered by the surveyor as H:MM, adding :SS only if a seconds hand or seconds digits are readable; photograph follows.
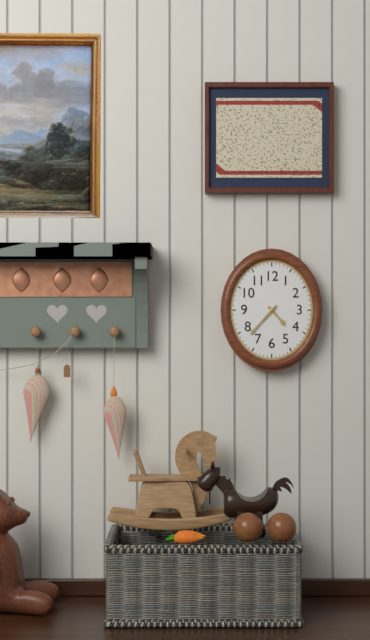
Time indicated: 4:37
